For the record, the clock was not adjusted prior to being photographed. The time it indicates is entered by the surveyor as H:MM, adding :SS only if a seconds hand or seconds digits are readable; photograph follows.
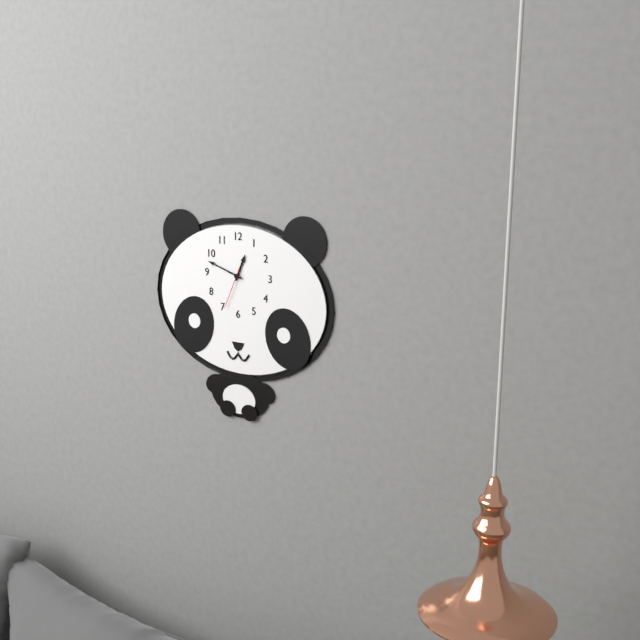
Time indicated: 12:48
